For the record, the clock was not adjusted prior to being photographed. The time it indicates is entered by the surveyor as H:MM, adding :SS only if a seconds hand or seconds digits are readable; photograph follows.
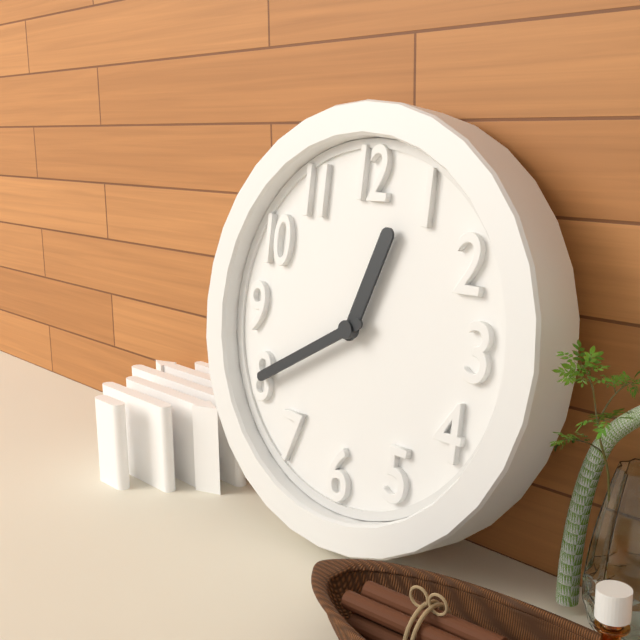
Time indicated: 12:40
